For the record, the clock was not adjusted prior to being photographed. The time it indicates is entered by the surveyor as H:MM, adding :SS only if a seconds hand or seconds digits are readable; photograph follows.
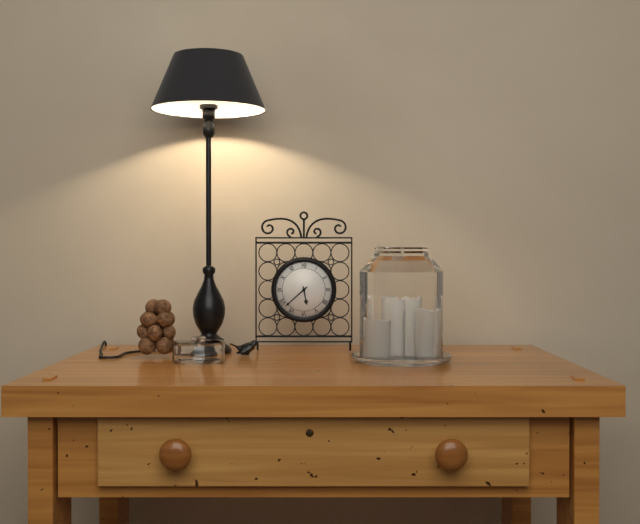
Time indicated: 5:38
